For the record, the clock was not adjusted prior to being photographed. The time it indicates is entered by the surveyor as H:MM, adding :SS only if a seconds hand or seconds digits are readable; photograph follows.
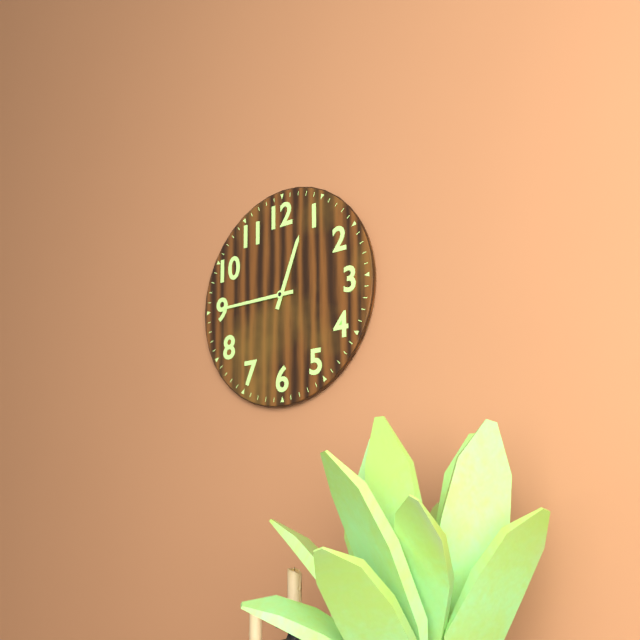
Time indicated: 12:45
